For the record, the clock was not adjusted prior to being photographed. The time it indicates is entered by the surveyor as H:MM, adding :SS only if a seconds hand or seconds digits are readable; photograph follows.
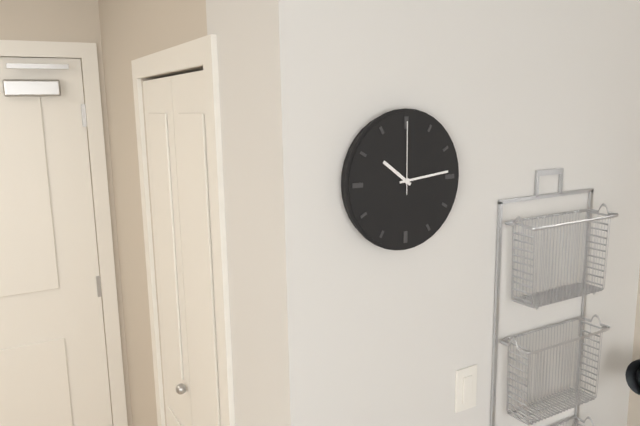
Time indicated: 10:14:00
